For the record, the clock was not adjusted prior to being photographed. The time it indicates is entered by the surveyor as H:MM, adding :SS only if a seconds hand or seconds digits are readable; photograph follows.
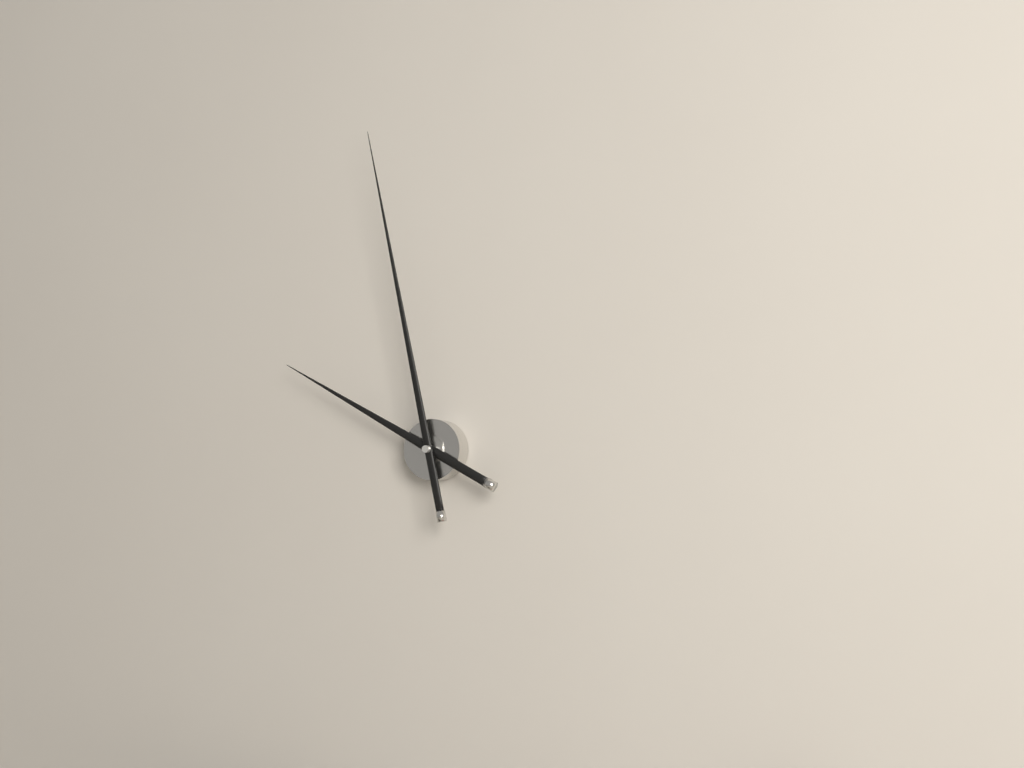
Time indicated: 9:58
